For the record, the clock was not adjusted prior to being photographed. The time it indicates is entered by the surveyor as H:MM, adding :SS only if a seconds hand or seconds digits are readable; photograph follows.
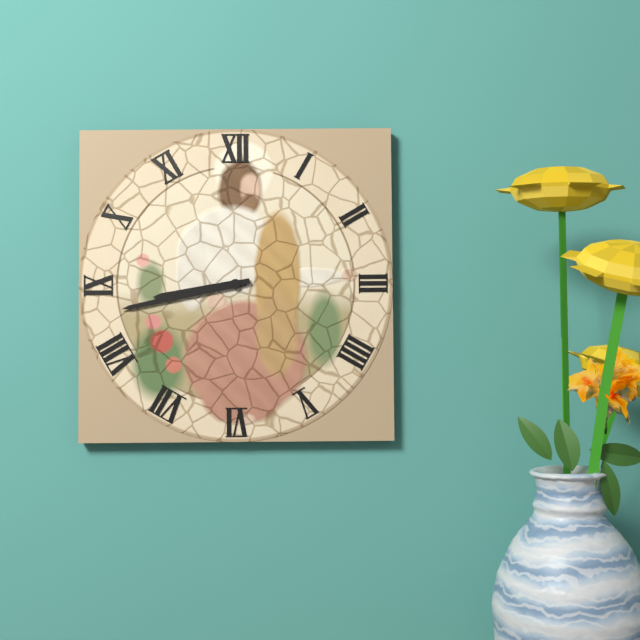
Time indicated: 8:43
